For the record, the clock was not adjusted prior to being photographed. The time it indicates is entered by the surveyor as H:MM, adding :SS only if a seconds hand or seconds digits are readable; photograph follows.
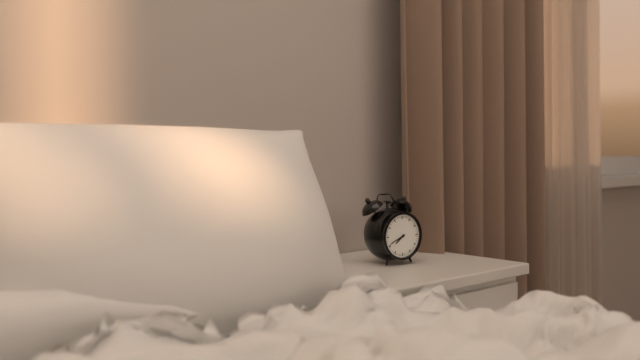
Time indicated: 7:41
